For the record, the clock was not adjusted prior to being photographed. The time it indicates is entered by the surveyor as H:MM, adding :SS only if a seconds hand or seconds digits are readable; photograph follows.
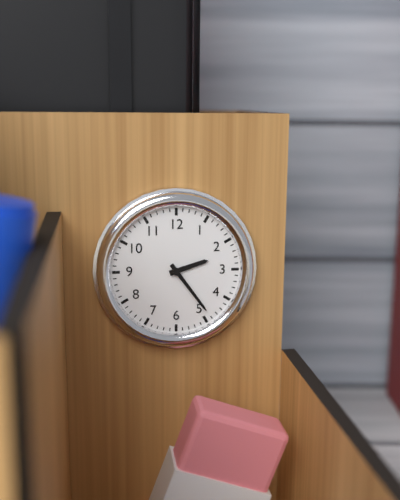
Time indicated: 2:24
